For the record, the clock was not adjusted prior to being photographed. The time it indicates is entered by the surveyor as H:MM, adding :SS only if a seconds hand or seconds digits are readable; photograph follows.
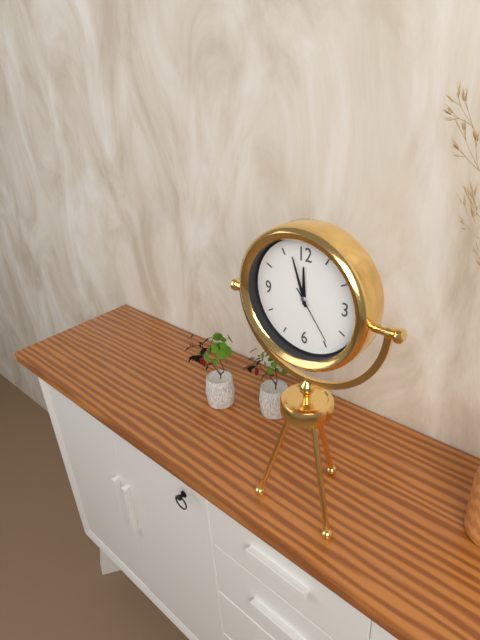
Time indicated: 11:57:24
